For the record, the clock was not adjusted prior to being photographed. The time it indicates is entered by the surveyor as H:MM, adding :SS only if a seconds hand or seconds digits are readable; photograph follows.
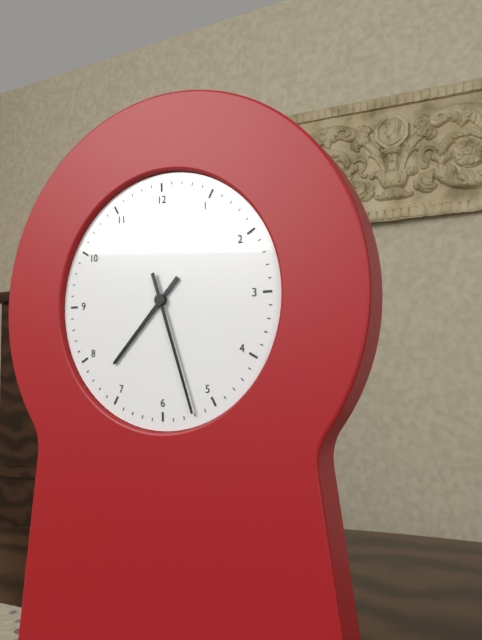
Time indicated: 7:27
